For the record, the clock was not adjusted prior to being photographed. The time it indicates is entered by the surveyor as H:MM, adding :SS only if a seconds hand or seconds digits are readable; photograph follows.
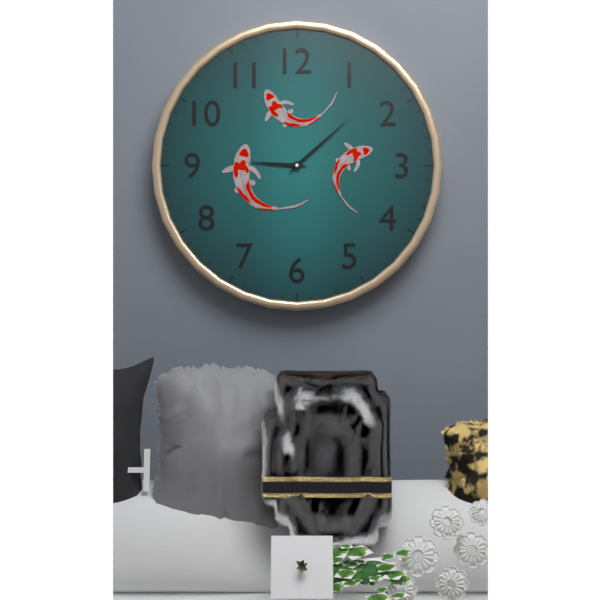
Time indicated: 9:08
